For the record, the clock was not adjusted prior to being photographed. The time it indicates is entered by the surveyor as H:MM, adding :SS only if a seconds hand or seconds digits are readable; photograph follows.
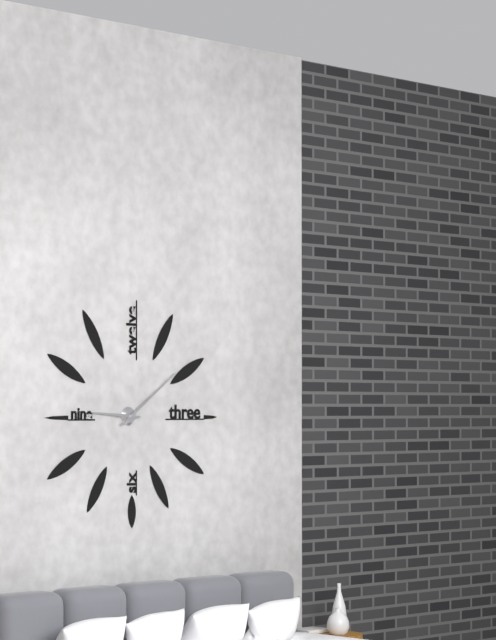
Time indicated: 9:09
